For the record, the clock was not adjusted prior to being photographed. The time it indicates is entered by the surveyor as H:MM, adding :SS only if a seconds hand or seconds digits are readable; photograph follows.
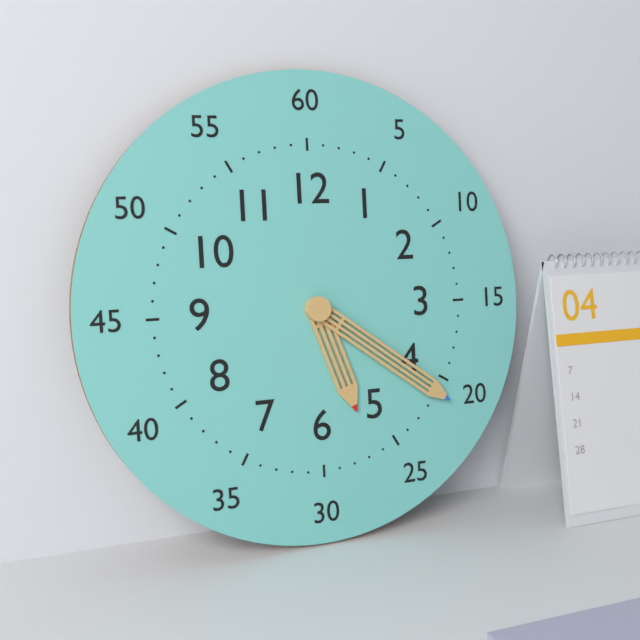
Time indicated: 5:21
